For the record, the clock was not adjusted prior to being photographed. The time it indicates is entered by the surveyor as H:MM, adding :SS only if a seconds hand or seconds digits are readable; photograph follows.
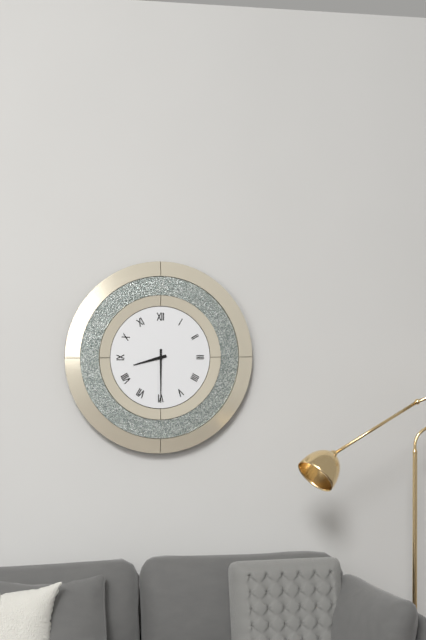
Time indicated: 8:30
